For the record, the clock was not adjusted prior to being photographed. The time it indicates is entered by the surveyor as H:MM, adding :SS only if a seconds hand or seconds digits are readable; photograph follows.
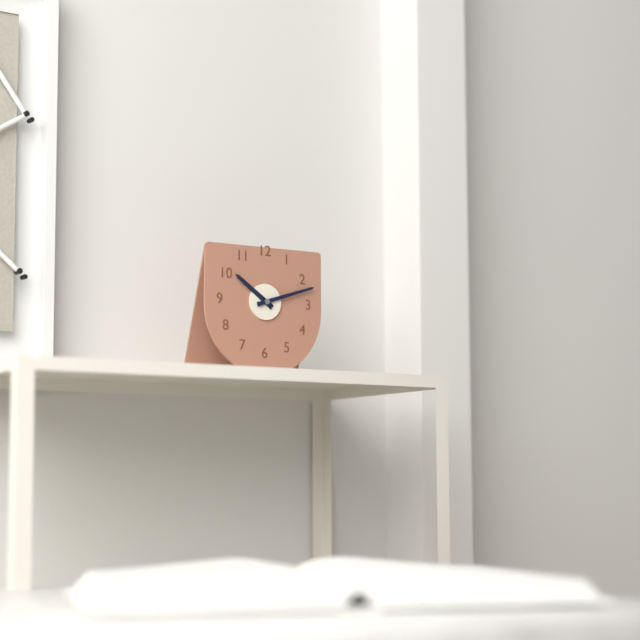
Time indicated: 10:12
